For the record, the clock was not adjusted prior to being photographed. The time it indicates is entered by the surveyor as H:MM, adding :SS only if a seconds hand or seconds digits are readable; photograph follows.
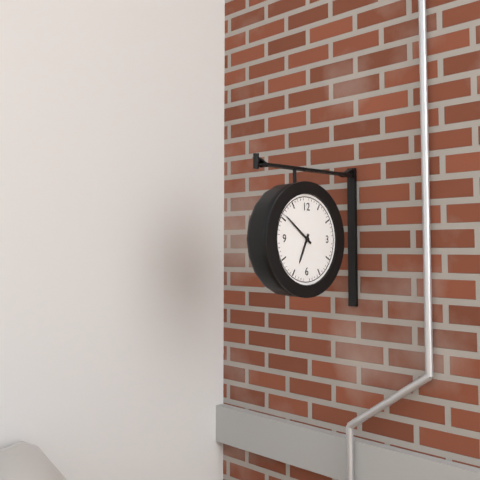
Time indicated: 6:51
